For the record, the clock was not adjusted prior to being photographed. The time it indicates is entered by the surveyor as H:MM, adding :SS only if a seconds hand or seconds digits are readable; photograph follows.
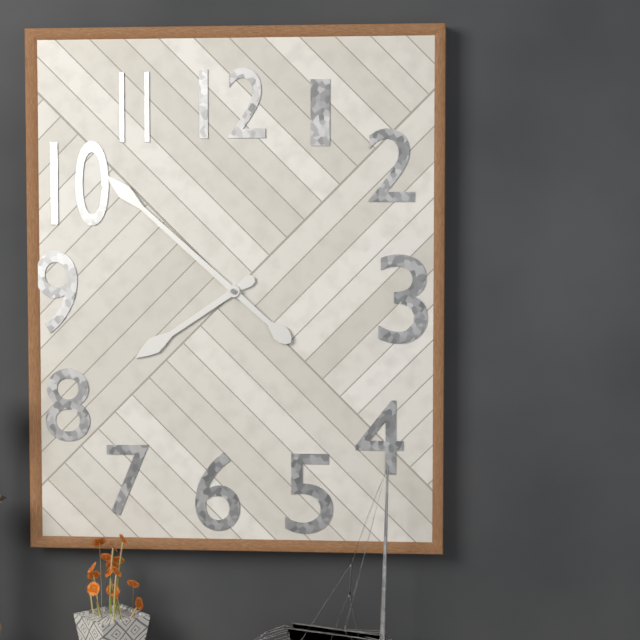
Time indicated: 7:52
